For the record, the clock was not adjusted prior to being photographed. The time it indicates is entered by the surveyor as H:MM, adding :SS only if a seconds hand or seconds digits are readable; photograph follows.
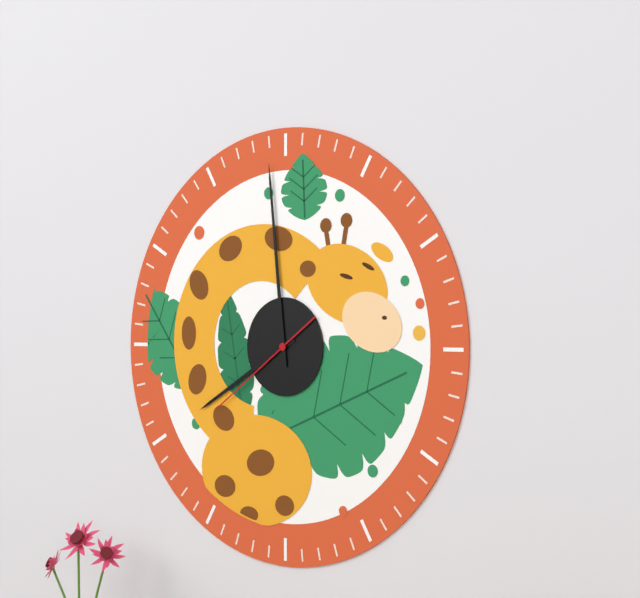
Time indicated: 7:59:39
